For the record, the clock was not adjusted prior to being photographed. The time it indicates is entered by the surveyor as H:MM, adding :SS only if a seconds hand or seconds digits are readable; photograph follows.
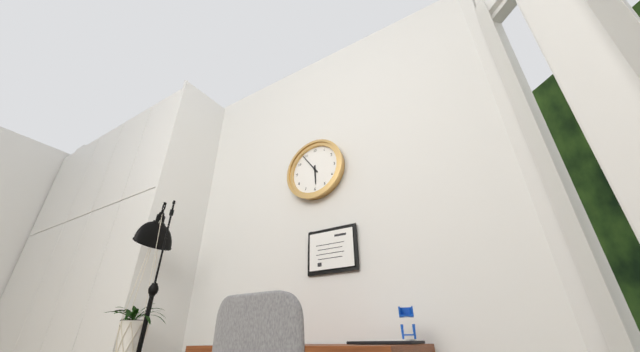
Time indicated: 5:54
